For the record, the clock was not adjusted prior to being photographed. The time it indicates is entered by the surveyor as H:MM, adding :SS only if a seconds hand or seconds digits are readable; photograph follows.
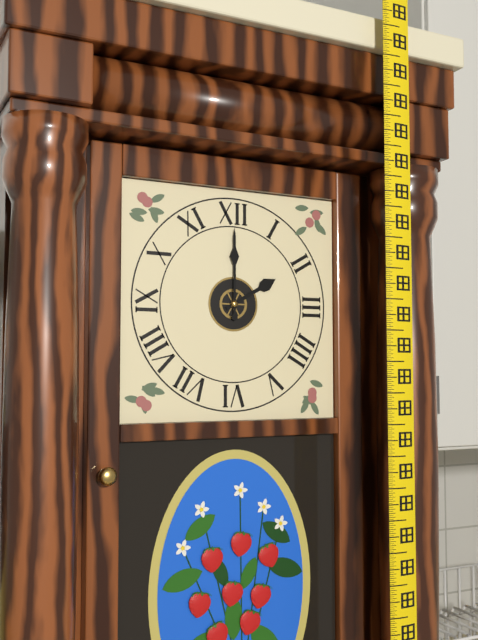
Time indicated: 2:00
